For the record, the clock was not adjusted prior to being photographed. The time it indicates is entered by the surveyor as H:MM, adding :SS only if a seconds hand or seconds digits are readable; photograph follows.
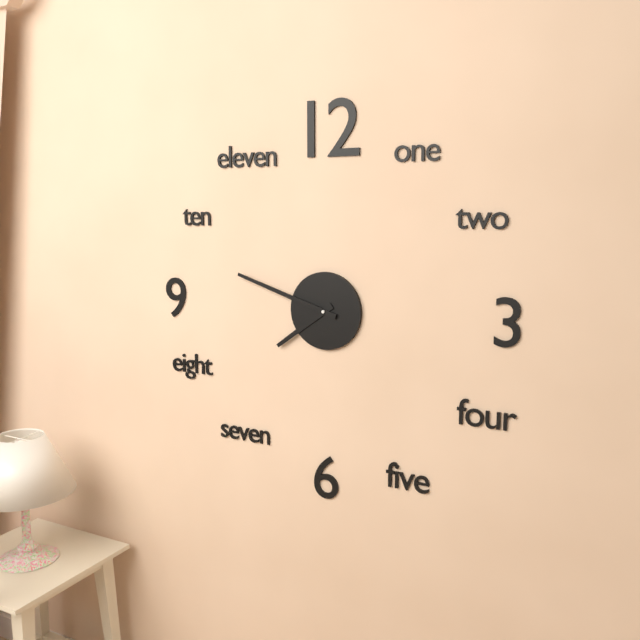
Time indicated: 7:48
